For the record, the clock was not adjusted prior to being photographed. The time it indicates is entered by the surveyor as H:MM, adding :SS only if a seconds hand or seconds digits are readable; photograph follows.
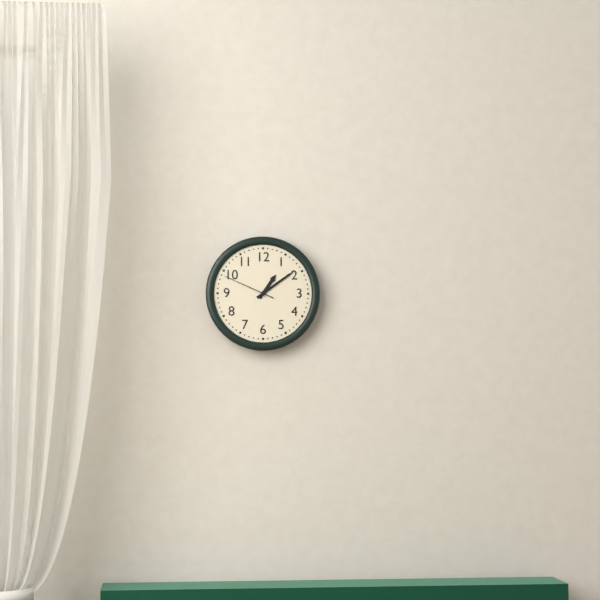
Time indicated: 1:09:49
